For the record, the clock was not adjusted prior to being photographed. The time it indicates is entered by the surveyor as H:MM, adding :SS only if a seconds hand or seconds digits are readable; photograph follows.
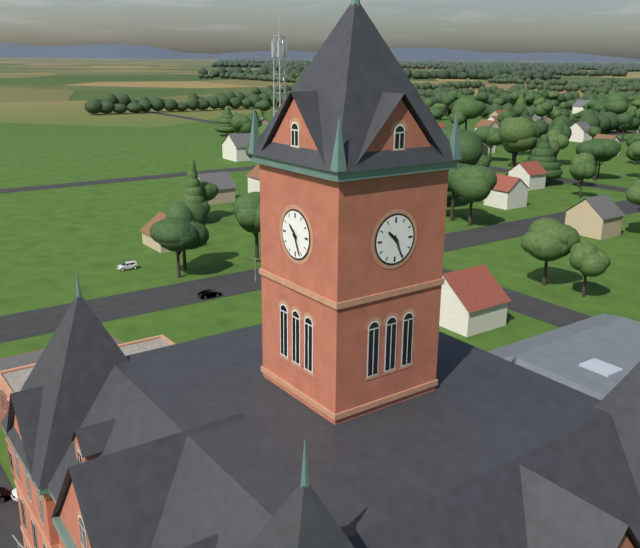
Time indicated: 10:26
